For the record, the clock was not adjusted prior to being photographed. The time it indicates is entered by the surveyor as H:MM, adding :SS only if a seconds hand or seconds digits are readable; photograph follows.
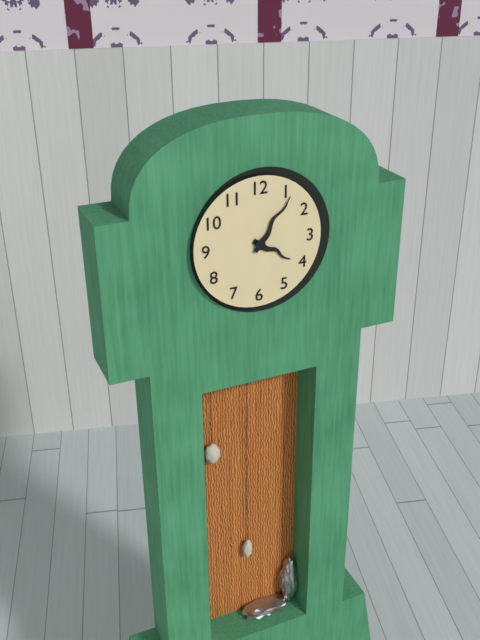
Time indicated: 4:06
